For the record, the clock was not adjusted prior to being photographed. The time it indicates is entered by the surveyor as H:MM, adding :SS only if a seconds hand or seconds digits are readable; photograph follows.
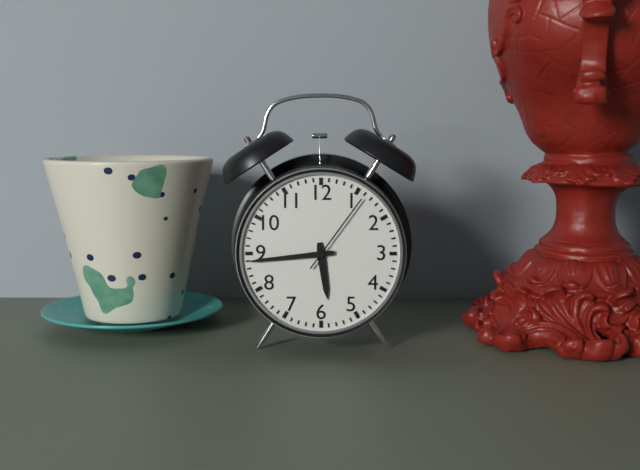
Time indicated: 5:44:06
